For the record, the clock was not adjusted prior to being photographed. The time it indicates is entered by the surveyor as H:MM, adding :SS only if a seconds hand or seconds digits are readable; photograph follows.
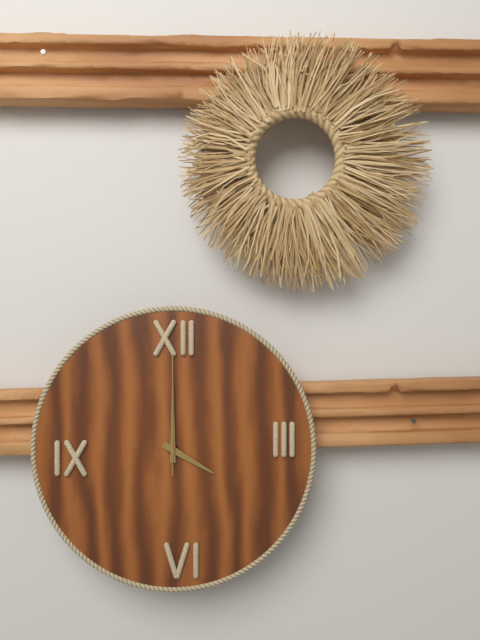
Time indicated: 4:00:00
